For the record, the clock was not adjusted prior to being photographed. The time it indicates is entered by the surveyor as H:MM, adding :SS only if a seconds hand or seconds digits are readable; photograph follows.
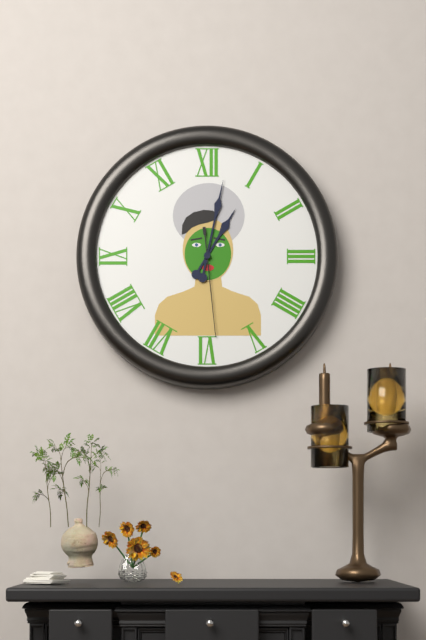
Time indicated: 1:02:29
